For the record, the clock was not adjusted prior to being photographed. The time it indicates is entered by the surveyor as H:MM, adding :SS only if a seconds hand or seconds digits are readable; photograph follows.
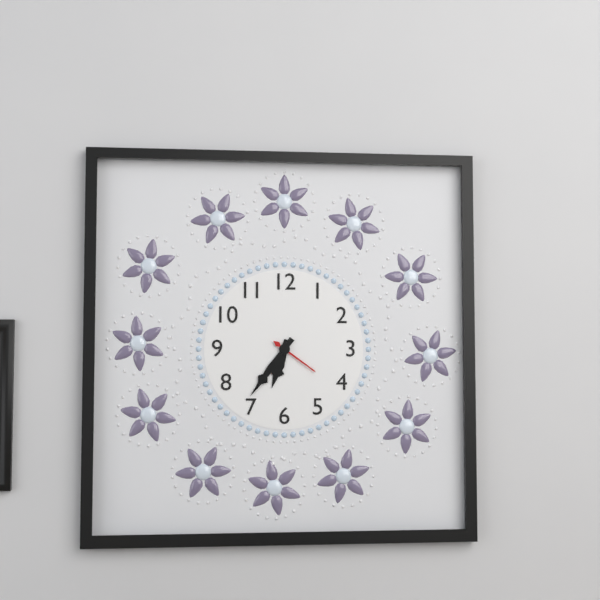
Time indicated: 6:36
